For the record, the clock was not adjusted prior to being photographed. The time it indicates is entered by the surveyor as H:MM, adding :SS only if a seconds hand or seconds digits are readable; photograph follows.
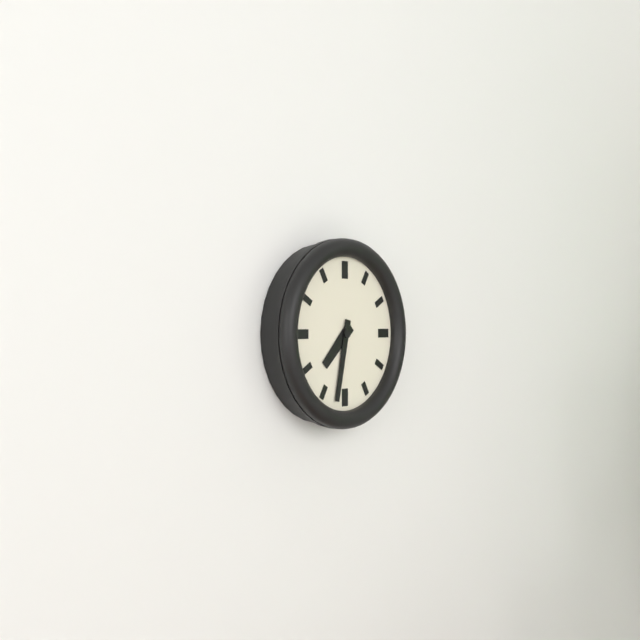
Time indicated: 7:32
